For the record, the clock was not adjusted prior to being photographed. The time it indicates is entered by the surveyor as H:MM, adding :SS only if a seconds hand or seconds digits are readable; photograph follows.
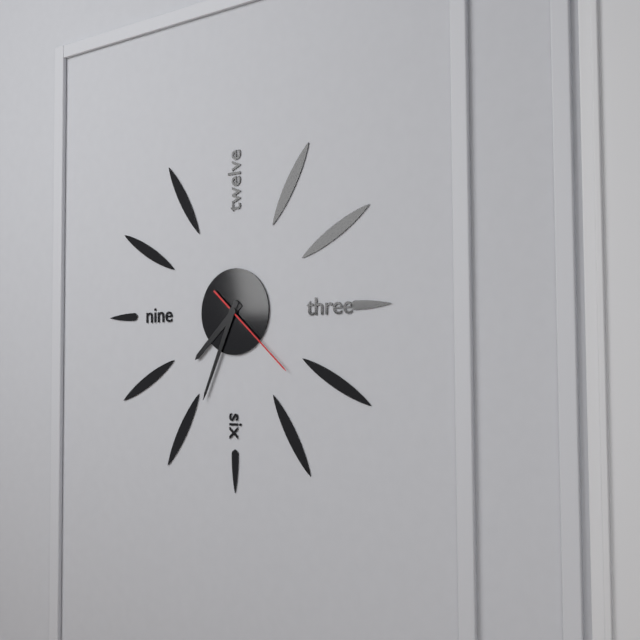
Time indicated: 7:34:22
